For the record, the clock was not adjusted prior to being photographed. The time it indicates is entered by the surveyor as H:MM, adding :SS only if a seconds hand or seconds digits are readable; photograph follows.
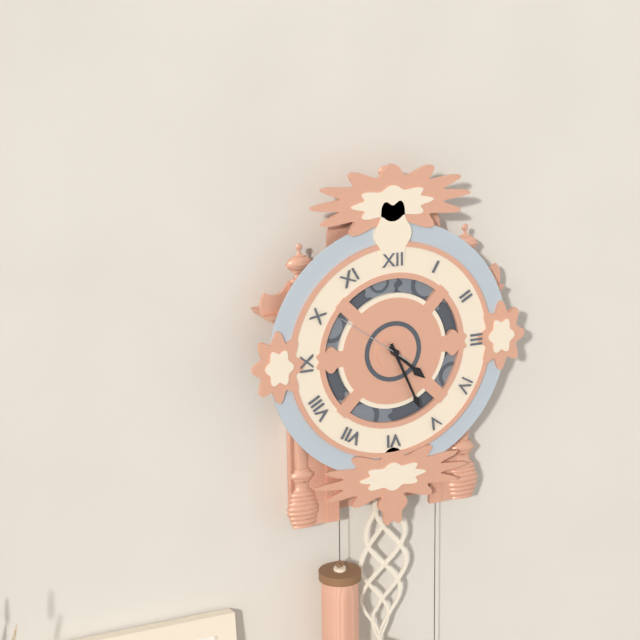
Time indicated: 4:26:51
